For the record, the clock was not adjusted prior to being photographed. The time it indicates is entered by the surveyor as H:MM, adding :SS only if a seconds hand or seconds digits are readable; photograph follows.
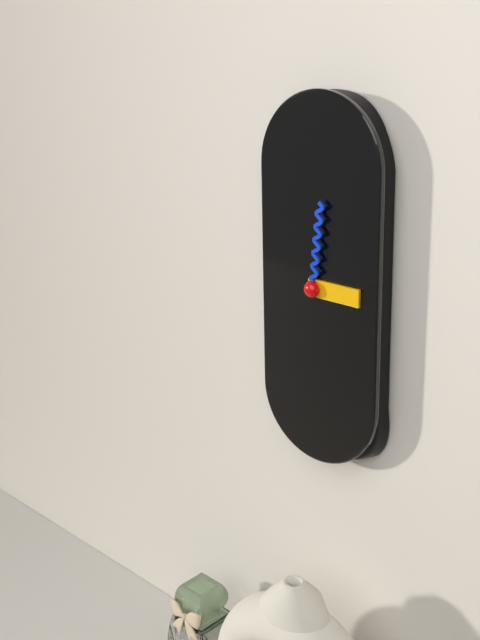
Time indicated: 3:01
